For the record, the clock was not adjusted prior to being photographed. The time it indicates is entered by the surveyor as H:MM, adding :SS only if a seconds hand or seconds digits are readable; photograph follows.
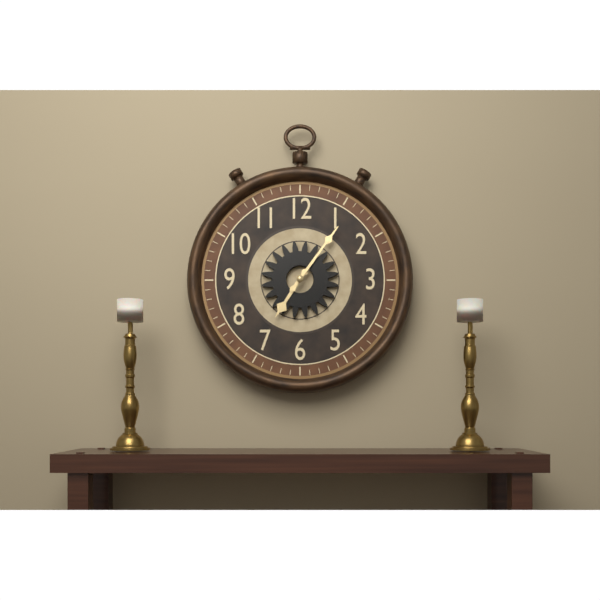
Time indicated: 7:06
